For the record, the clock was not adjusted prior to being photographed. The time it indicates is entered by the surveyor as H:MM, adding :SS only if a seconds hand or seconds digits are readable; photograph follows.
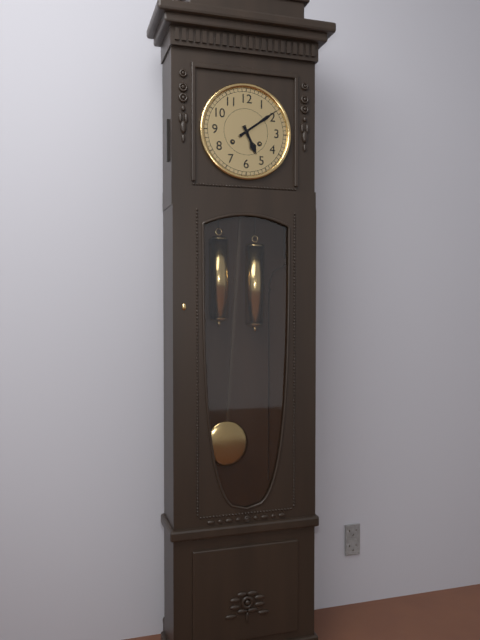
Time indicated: 5:09
